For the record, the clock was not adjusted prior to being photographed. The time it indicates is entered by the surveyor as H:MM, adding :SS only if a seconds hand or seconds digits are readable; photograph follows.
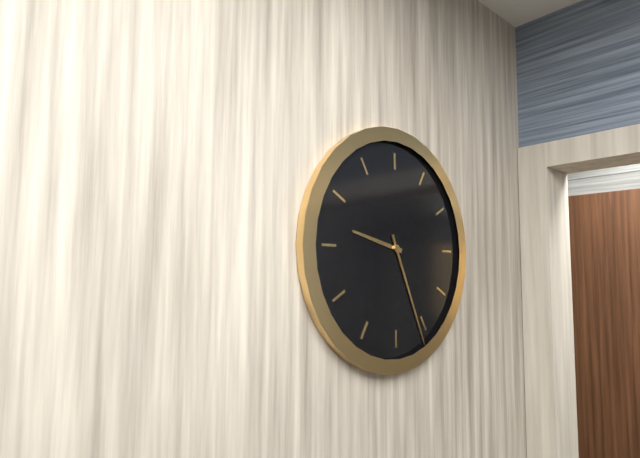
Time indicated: 9:26
